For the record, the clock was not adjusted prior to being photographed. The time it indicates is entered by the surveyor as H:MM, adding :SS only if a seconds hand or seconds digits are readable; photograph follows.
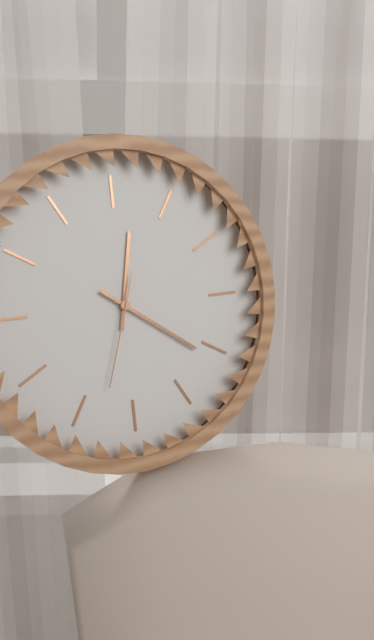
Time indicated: 12:21:33
